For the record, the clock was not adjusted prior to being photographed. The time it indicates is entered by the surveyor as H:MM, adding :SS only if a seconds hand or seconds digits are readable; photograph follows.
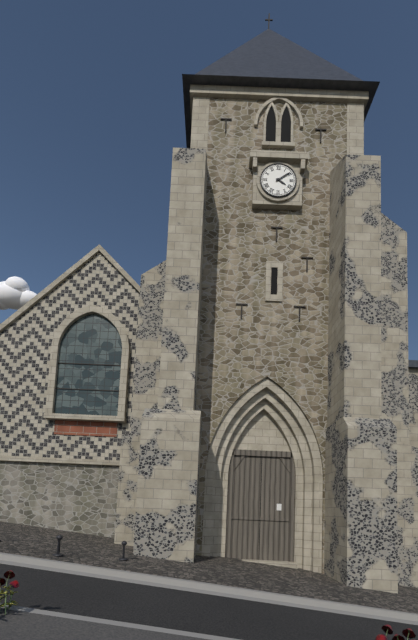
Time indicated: 4:09
